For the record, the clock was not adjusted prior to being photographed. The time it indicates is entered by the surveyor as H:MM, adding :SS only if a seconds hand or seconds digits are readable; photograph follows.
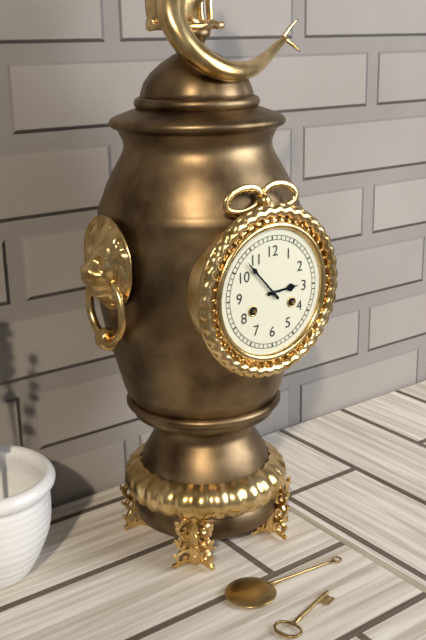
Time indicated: 2:53
